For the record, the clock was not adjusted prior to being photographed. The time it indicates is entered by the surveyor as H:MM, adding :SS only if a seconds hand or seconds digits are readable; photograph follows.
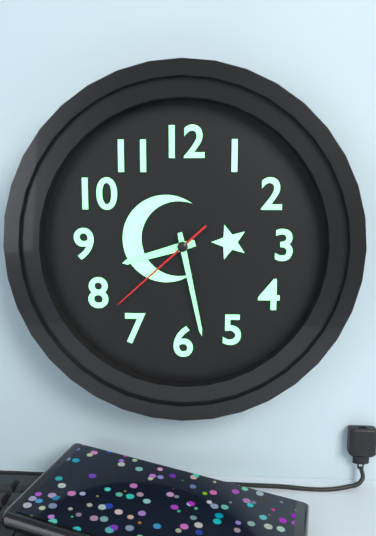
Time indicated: 8:28:38
